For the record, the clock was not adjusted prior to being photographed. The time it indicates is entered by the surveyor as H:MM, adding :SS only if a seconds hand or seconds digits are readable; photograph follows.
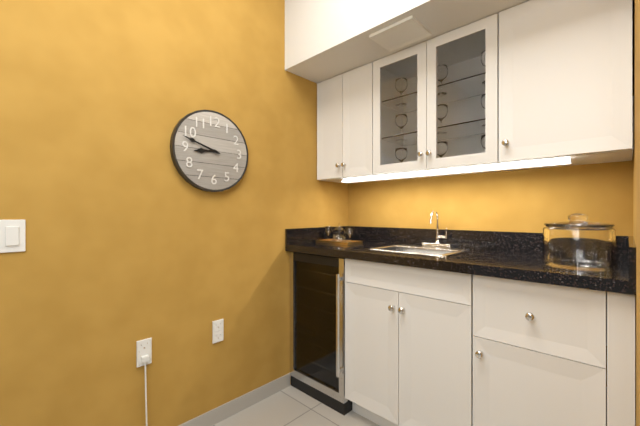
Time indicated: 8:48
